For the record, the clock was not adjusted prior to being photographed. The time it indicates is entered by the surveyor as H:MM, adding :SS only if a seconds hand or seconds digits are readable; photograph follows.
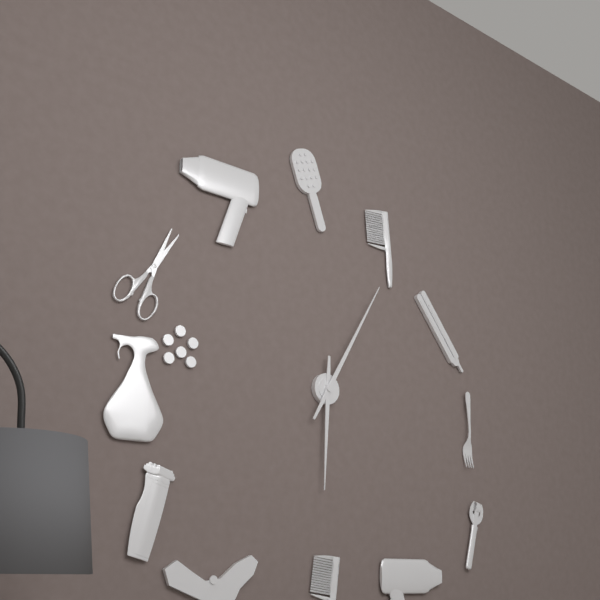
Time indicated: 6:05
